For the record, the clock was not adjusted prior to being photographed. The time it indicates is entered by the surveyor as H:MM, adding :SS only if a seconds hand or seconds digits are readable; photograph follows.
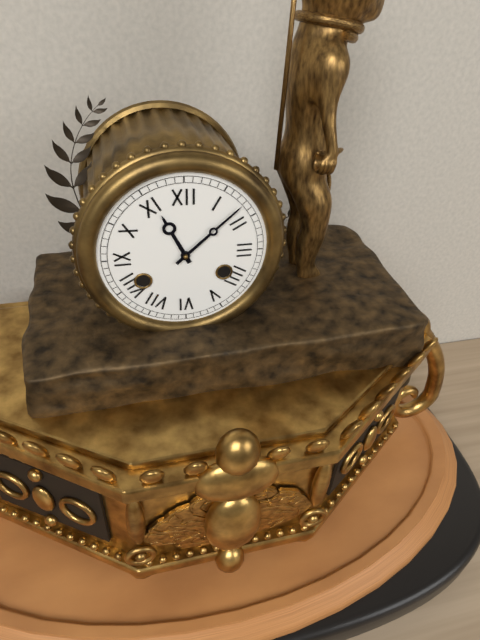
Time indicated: 11:08
